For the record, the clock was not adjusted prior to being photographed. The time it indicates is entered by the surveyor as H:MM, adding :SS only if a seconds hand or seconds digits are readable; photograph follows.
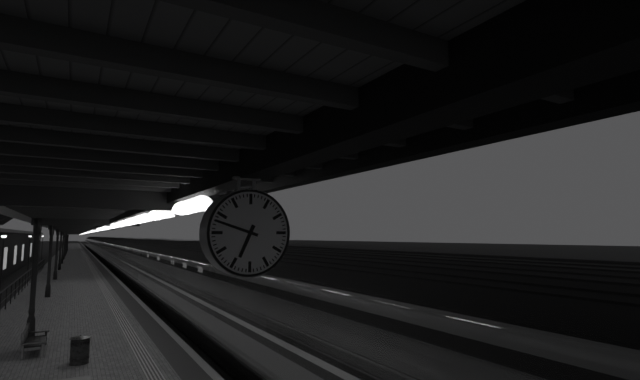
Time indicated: 6:48
